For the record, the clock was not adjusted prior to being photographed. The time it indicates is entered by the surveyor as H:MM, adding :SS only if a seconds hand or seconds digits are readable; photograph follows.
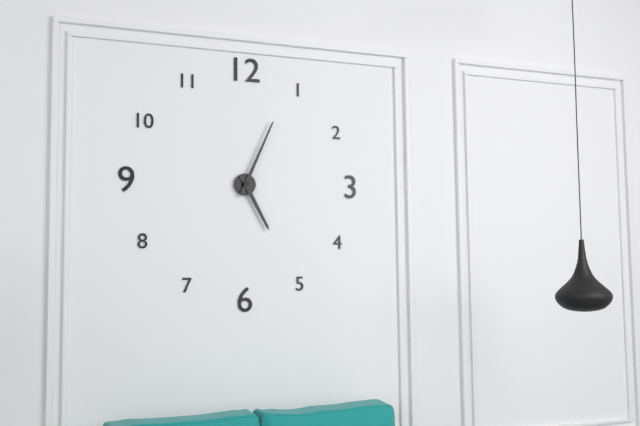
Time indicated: 5:04
